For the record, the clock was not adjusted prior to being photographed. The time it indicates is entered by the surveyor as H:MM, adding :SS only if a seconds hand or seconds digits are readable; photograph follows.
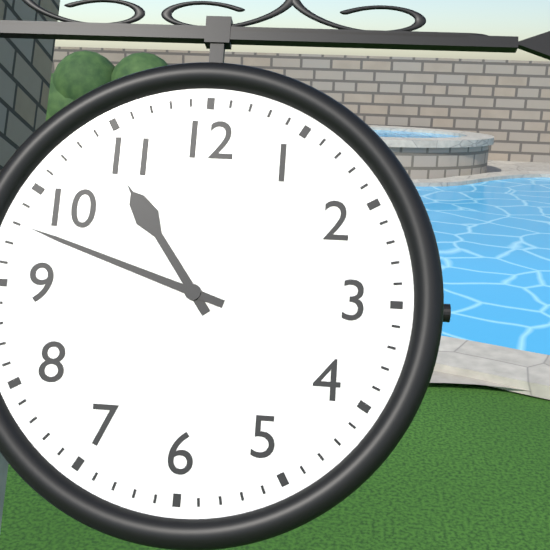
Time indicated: 10:48
